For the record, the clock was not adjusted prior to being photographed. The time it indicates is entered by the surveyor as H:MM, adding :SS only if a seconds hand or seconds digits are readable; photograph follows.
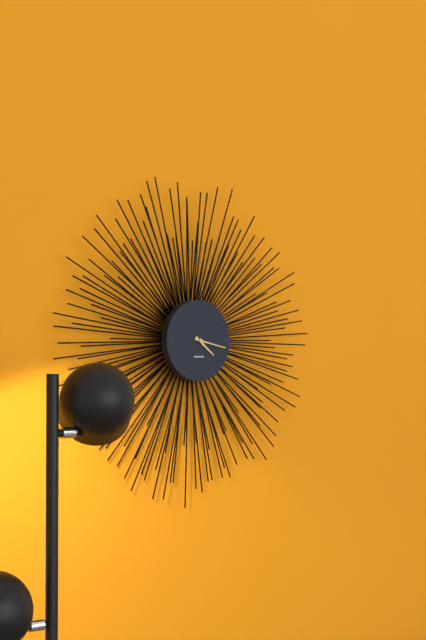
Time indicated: 4:17
